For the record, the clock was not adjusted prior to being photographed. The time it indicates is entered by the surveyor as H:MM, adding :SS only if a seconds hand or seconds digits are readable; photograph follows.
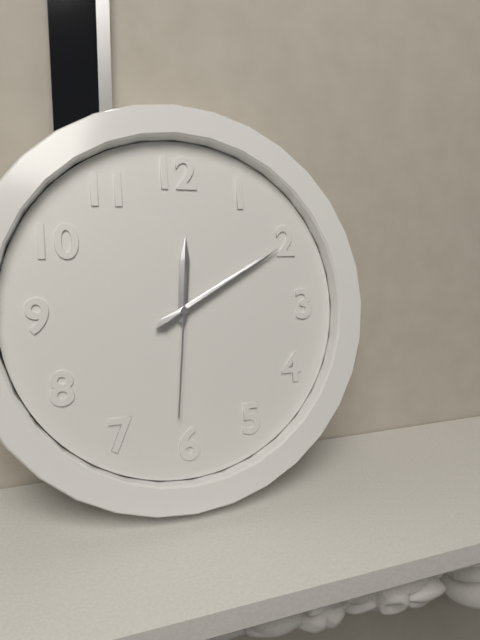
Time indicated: 12:10:31
